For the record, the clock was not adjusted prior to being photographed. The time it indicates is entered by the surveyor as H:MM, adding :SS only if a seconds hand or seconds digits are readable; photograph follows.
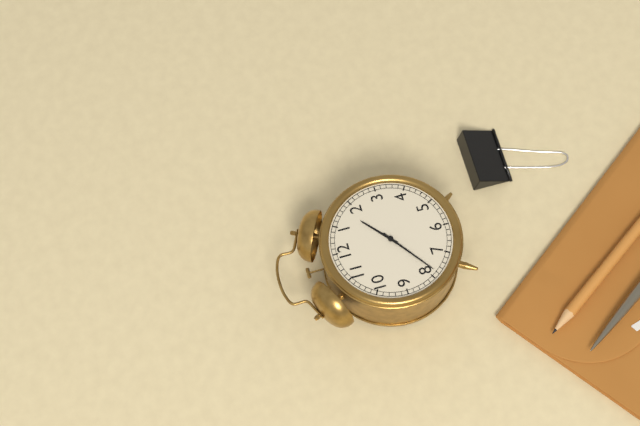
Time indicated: 1:39
